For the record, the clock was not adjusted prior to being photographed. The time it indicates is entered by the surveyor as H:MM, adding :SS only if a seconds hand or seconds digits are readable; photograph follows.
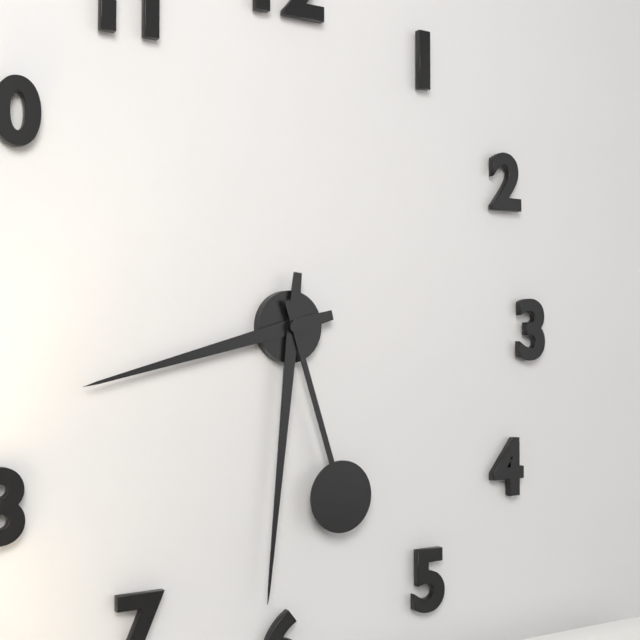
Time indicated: 8:31:27
